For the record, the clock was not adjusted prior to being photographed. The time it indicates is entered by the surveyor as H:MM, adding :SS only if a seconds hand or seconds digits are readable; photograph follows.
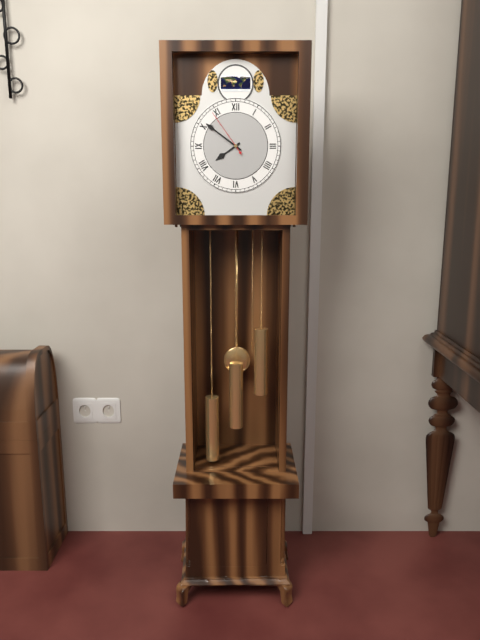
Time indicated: 7:51:54
